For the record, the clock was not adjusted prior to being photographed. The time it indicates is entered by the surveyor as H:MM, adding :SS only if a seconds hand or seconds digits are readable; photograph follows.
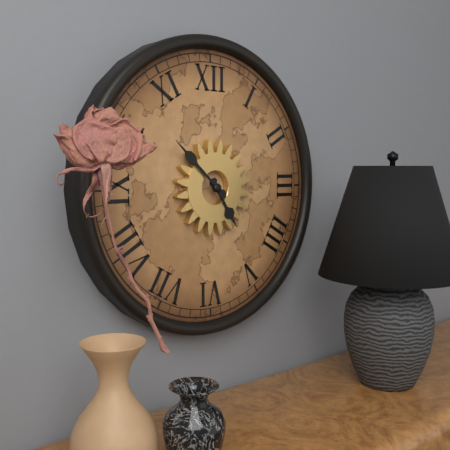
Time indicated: 4:52
